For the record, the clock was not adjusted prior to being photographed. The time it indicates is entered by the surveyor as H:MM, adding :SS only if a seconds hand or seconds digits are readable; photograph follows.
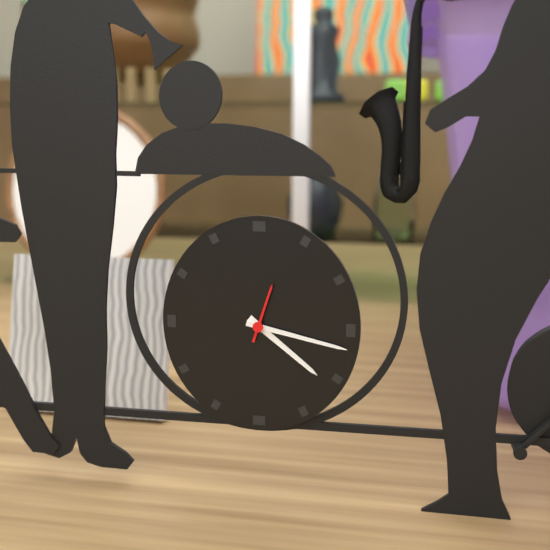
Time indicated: 4:17:03
